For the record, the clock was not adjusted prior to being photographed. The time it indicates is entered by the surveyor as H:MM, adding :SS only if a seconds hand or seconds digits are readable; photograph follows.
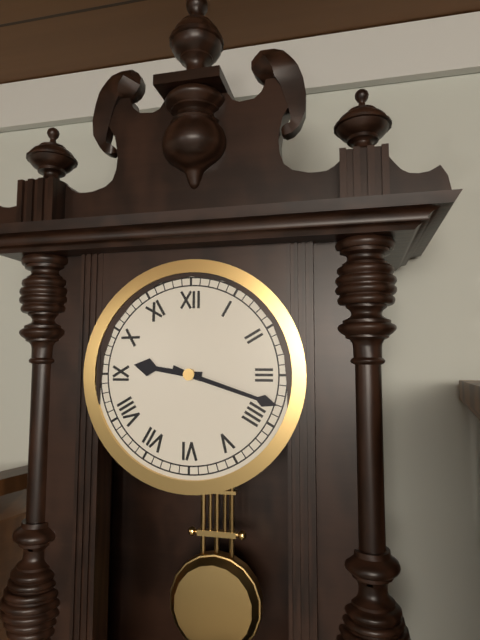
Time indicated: 9:18
